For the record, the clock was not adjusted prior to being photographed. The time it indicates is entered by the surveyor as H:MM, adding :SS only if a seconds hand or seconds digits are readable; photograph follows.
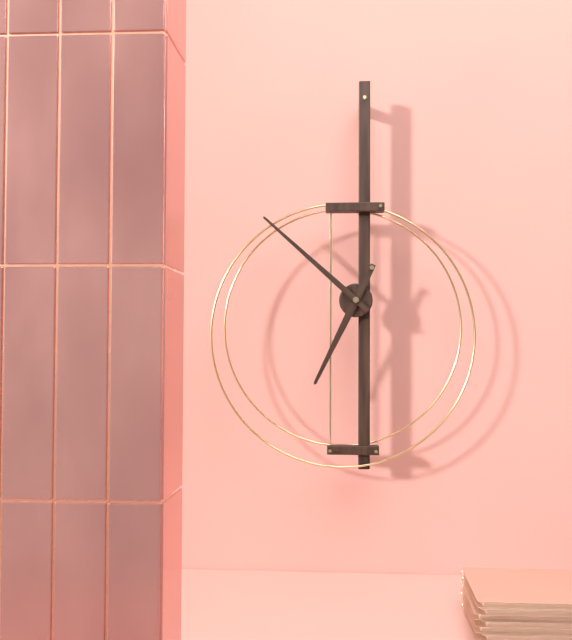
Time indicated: 6:52
